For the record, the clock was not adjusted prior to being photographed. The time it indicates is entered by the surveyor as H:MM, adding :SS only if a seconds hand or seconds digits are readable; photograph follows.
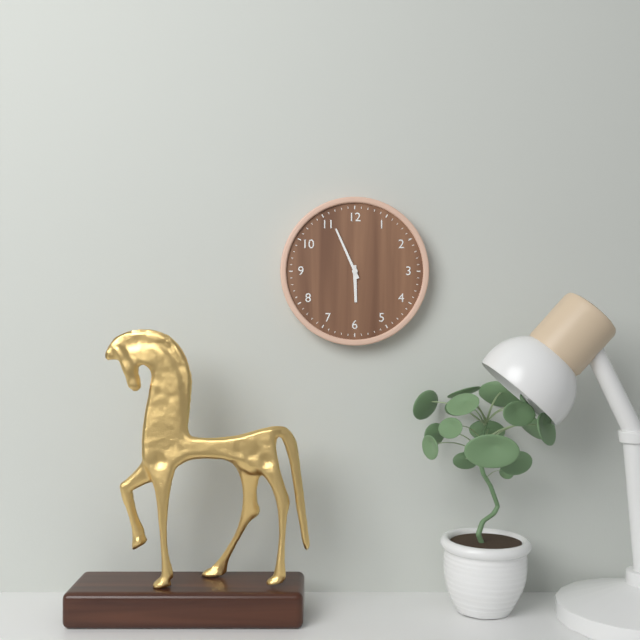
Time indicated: 5:56
